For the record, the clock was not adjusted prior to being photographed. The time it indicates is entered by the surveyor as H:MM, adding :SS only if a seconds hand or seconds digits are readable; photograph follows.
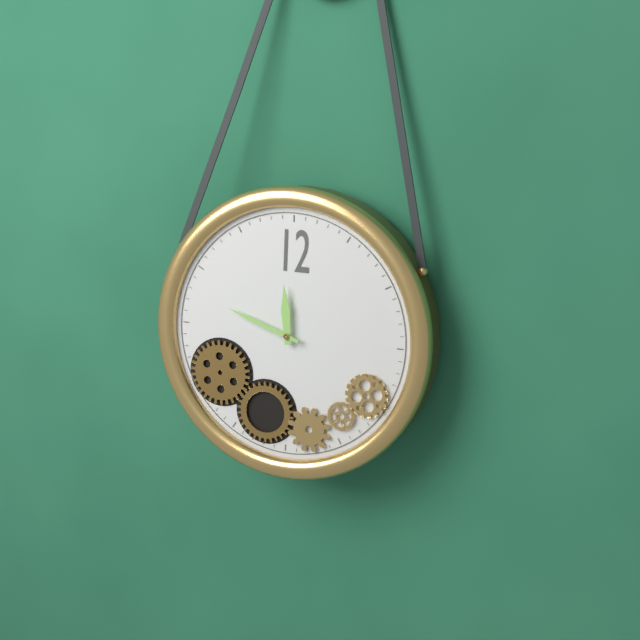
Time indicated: 11:48
